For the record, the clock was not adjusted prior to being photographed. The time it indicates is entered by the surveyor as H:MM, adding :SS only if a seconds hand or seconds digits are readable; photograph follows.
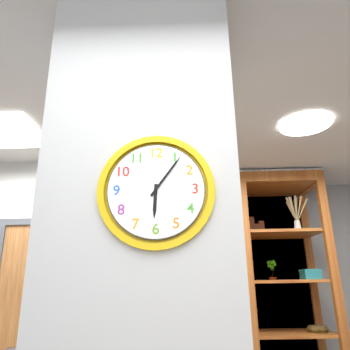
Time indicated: 6:06
